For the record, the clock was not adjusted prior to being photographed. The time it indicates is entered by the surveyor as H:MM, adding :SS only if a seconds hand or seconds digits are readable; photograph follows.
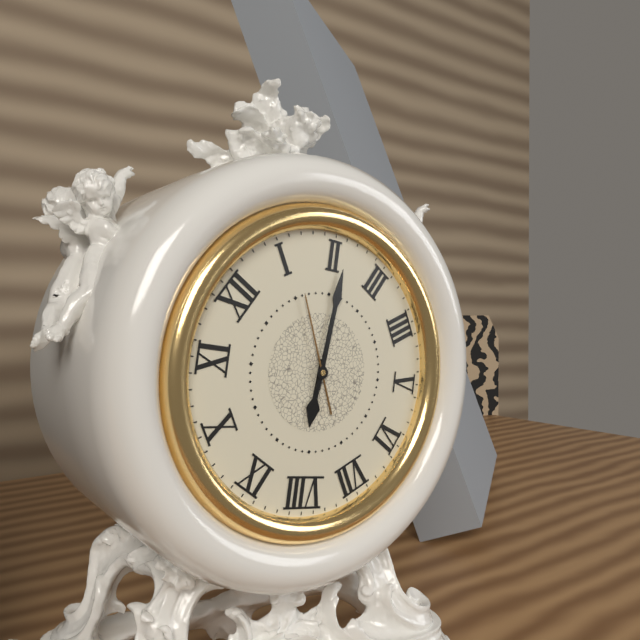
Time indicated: 8:11:06
